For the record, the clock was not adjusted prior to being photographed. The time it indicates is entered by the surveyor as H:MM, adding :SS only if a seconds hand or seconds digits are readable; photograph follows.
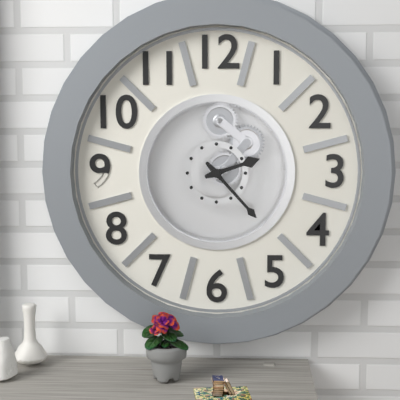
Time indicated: 2:23
